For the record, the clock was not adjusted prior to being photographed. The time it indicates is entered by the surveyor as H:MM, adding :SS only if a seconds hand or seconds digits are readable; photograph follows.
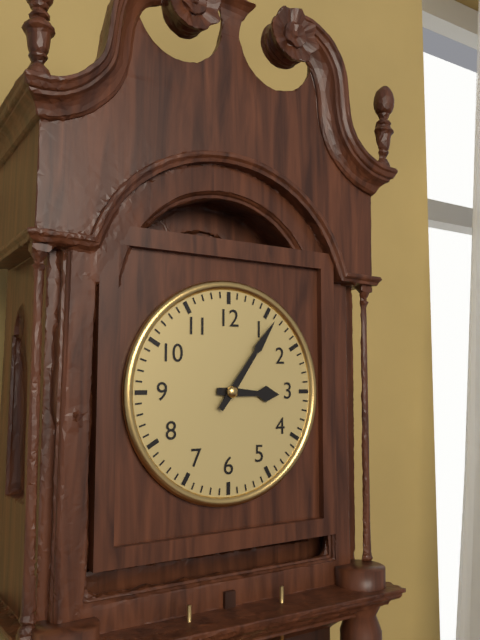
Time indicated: 3:06
